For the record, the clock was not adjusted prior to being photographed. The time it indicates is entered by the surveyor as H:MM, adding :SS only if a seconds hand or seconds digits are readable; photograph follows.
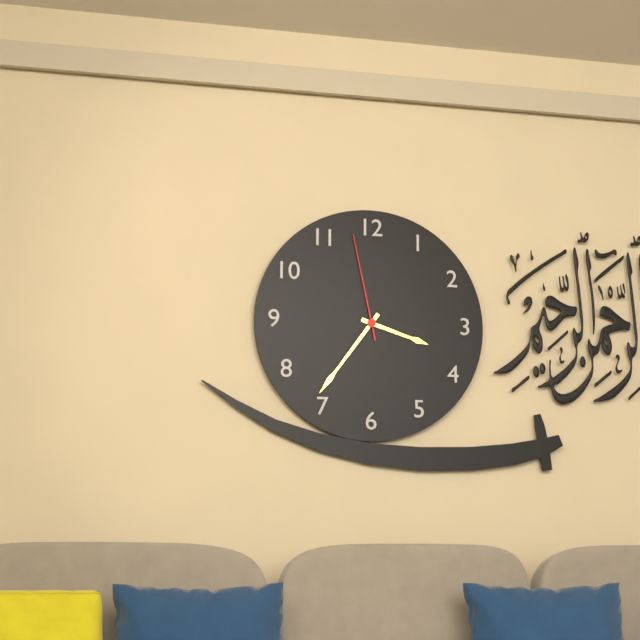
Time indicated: 3:36:58
